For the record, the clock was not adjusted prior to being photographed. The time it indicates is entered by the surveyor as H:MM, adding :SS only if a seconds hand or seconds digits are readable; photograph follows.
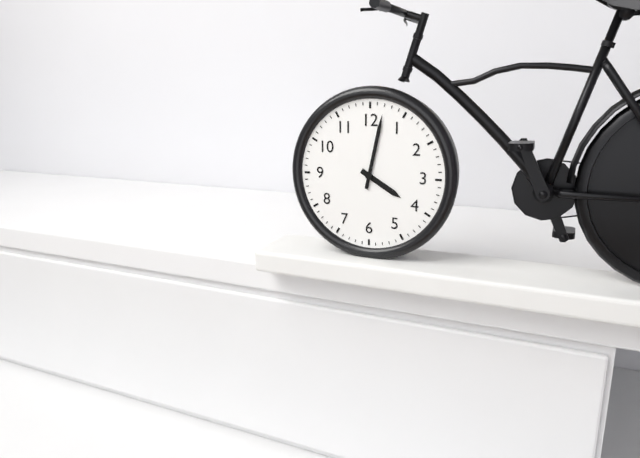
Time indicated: 4:02
